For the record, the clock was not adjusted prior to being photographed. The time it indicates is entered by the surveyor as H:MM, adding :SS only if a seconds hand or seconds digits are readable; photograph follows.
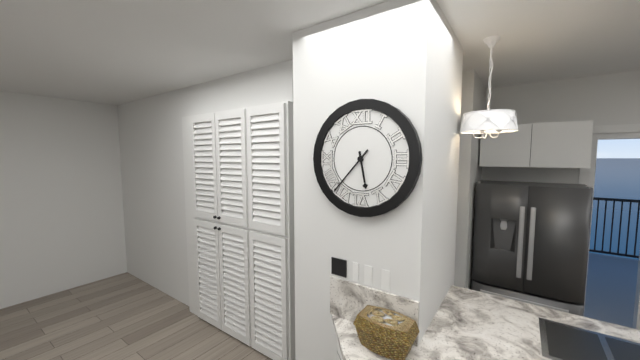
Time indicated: 5:37
